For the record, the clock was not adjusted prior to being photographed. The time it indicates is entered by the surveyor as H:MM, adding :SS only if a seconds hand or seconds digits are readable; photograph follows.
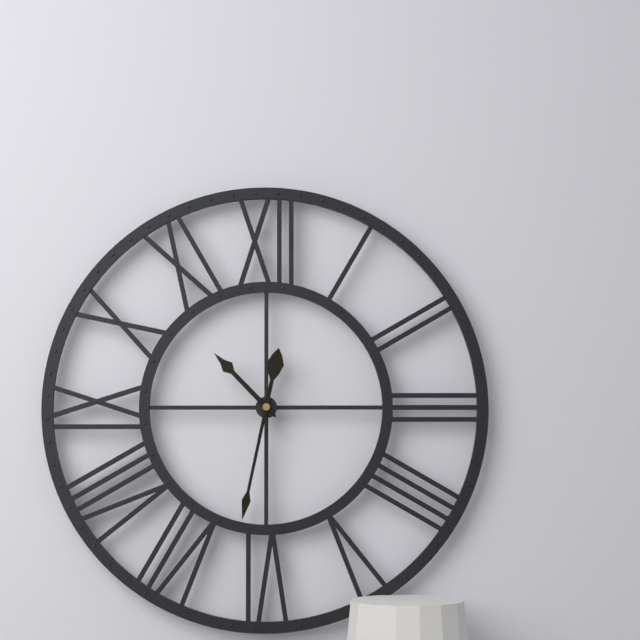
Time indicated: 10:32
